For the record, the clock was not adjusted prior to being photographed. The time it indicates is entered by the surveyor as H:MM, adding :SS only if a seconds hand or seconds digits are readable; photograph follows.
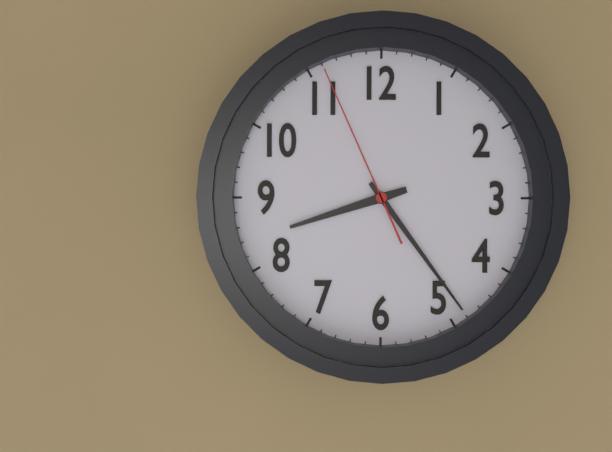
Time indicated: 8:24:56
